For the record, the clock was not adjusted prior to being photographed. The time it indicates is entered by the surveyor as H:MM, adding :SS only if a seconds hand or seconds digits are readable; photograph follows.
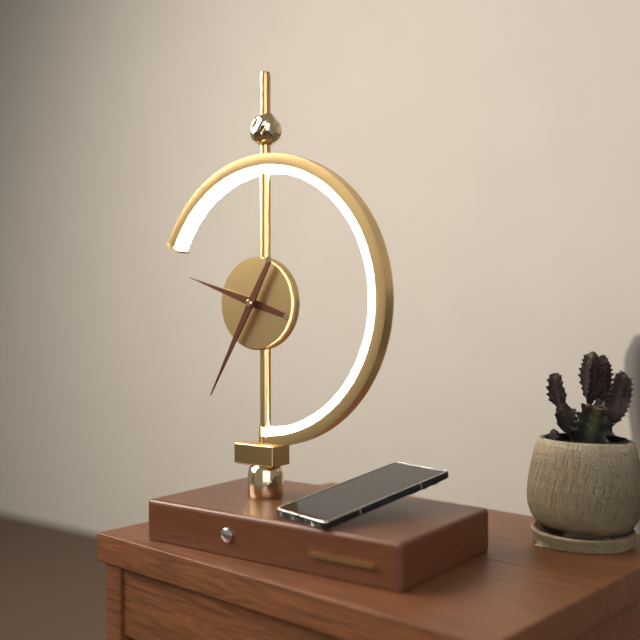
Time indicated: 9:35
